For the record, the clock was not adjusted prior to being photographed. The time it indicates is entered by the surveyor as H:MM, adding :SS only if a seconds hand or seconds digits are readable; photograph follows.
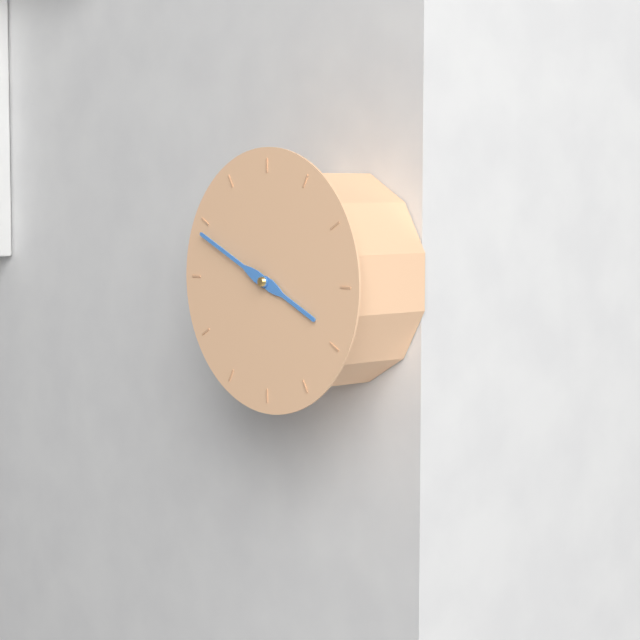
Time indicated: 3:49
